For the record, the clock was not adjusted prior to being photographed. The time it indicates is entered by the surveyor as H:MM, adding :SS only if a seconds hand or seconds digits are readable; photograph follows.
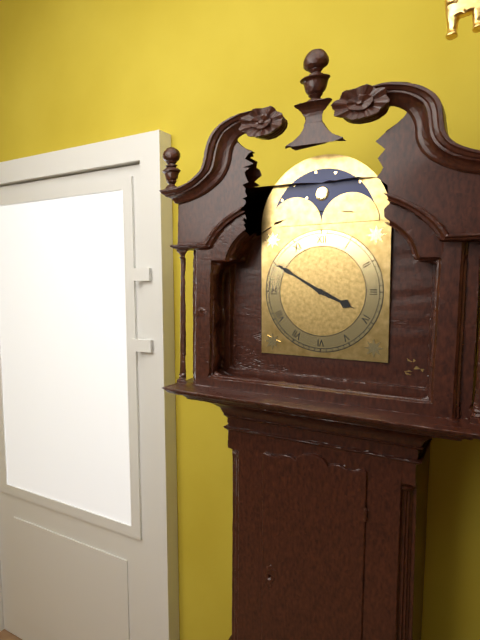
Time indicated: 3:50
